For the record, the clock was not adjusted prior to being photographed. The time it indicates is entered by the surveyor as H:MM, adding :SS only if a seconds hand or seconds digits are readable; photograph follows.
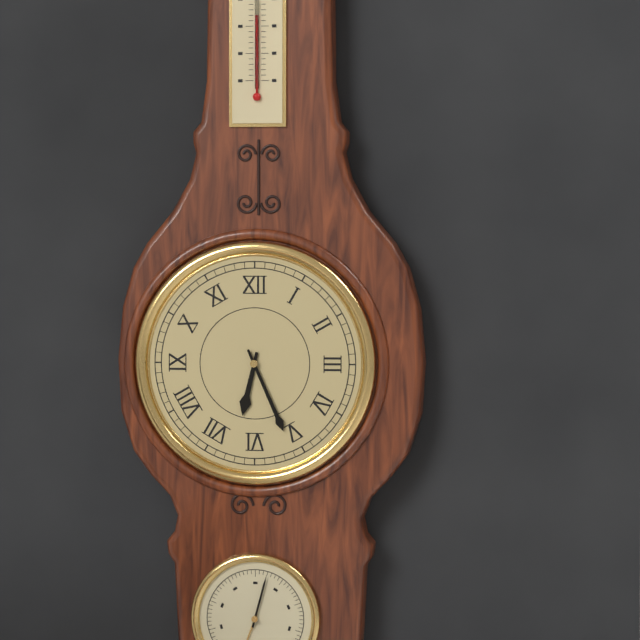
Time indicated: 6:26
